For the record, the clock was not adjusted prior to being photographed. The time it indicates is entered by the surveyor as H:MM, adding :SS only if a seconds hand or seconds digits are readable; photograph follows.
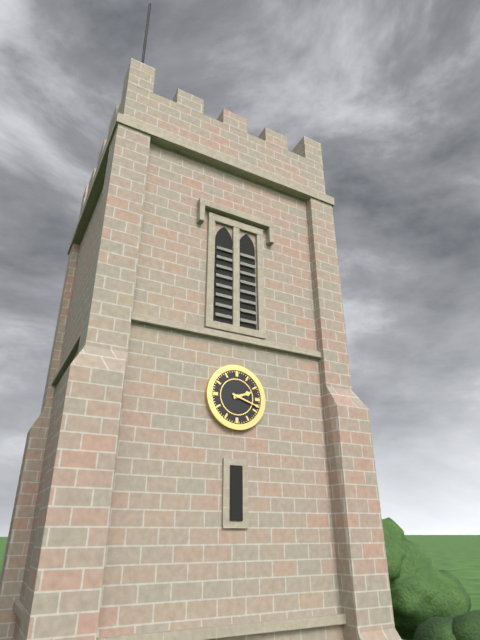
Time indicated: 2:18
